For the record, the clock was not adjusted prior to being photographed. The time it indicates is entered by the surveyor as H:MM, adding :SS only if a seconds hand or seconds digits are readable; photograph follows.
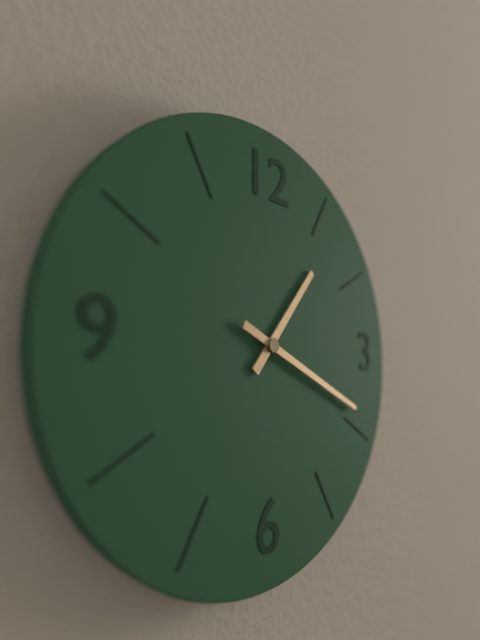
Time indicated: 1:19
